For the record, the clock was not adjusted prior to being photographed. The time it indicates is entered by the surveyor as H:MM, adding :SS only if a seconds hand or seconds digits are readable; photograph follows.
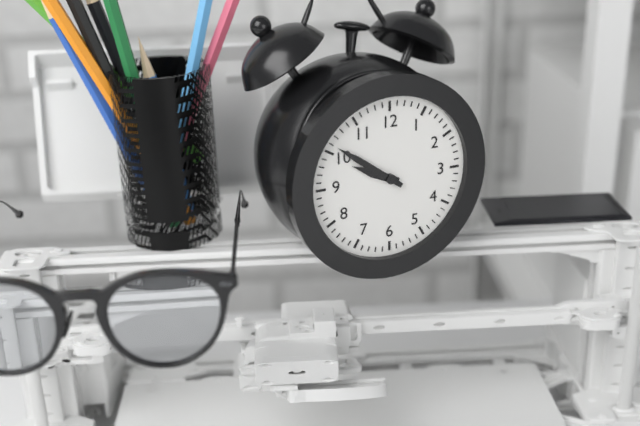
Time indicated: 9:51
